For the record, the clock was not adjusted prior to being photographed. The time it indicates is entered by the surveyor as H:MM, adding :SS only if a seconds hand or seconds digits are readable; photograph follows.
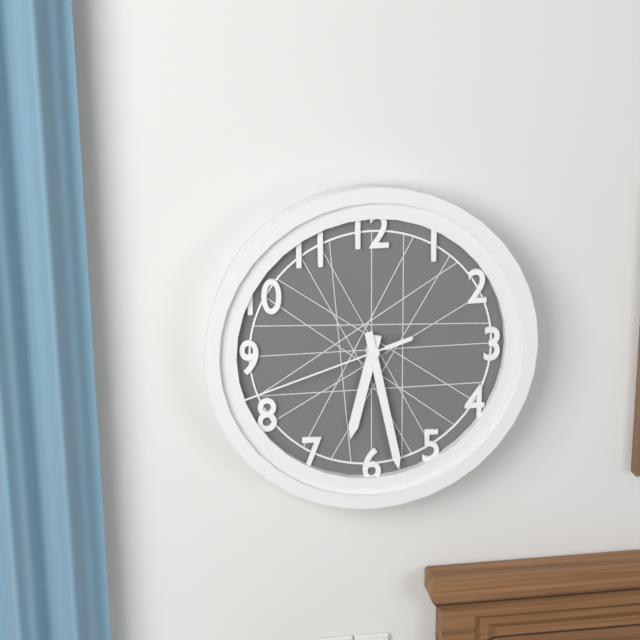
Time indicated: 6:28:42
